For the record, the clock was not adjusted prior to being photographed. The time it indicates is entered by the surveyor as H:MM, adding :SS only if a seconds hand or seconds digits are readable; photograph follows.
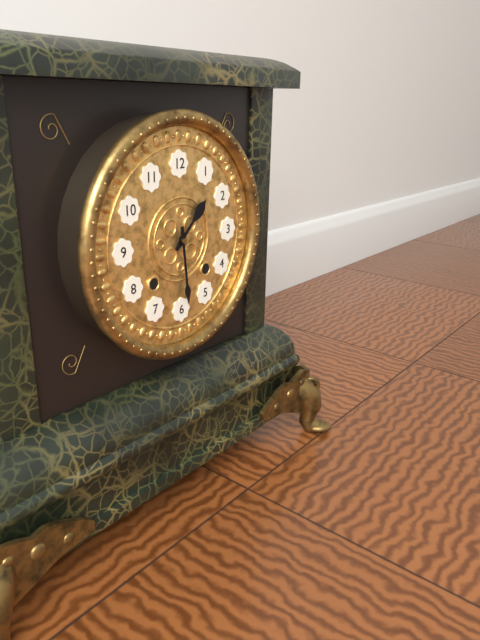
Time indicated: 1:29
